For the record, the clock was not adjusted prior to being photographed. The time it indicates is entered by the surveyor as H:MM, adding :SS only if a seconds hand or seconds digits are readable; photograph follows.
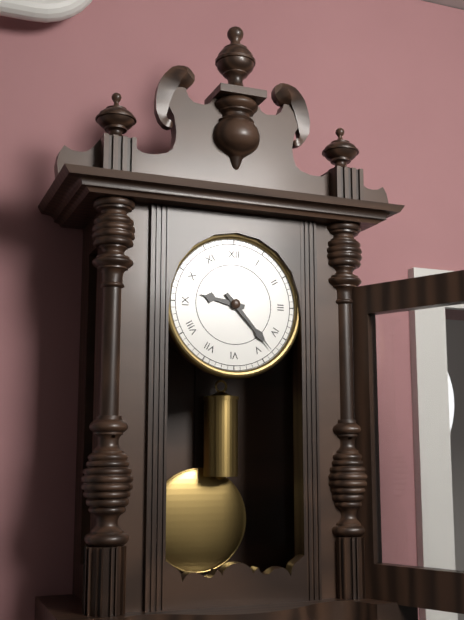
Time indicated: 9:23
